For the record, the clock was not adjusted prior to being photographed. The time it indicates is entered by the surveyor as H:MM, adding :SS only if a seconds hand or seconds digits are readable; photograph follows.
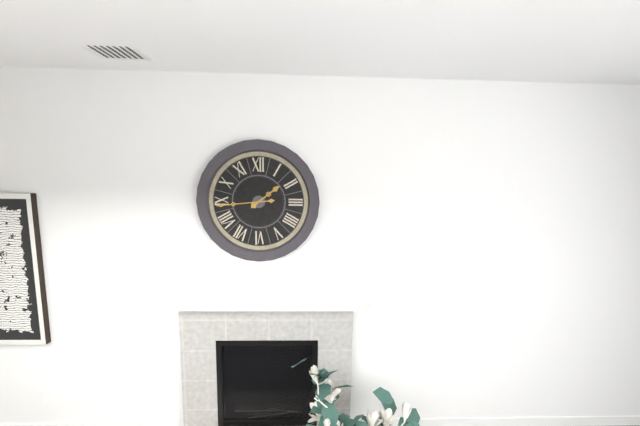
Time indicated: 1:44
